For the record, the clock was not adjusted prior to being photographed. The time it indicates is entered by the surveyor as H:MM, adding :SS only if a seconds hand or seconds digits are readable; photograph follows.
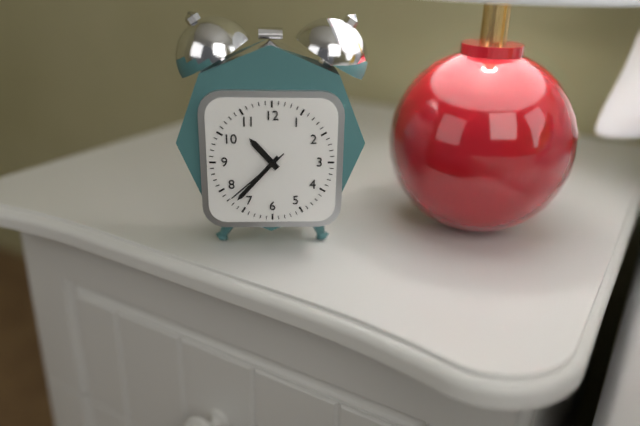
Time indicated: 10:37:38
